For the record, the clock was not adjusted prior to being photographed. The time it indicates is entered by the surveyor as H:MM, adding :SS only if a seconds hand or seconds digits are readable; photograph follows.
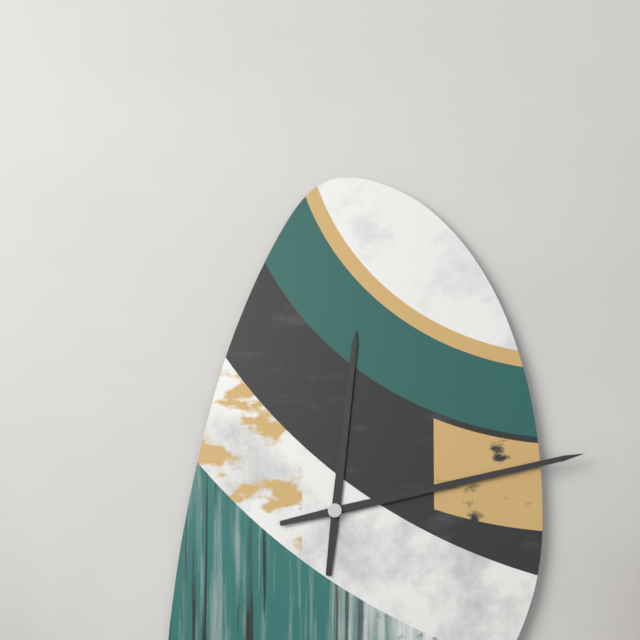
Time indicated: 12:13
